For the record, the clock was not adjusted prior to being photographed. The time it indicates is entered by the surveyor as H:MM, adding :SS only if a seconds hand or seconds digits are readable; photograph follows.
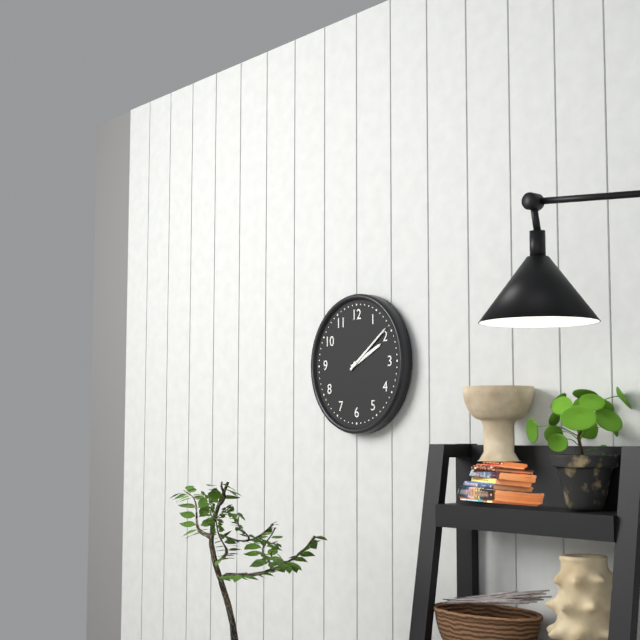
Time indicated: 2:09
